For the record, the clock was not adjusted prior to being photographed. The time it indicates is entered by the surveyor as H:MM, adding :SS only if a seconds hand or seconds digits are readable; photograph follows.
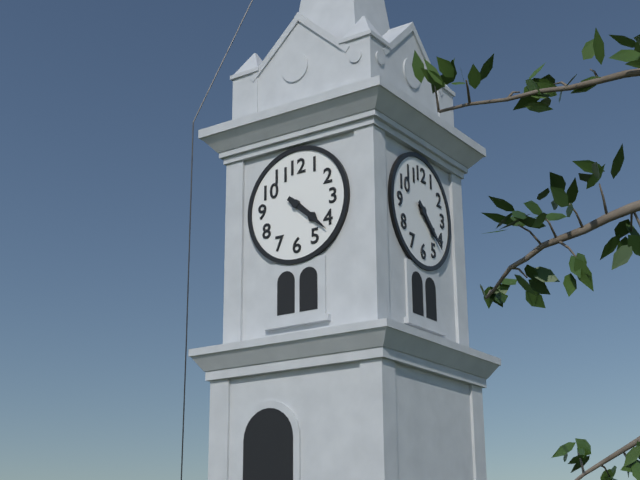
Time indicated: 4:22
